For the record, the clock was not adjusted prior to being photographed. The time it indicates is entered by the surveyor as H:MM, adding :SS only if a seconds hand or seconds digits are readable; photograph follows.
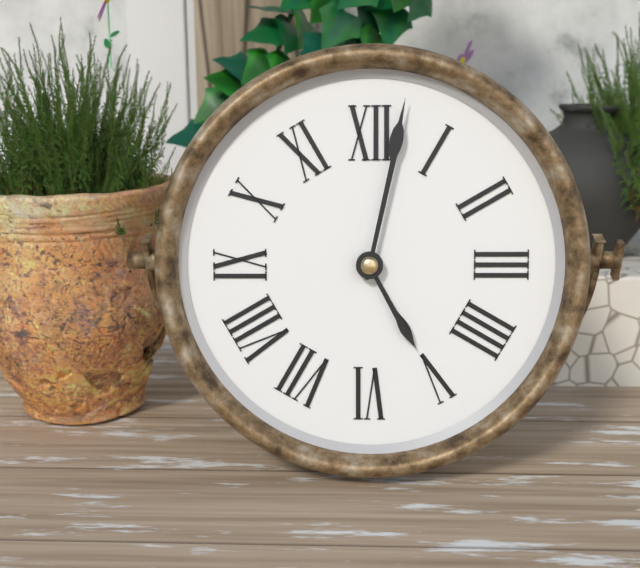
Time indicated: 5:02
